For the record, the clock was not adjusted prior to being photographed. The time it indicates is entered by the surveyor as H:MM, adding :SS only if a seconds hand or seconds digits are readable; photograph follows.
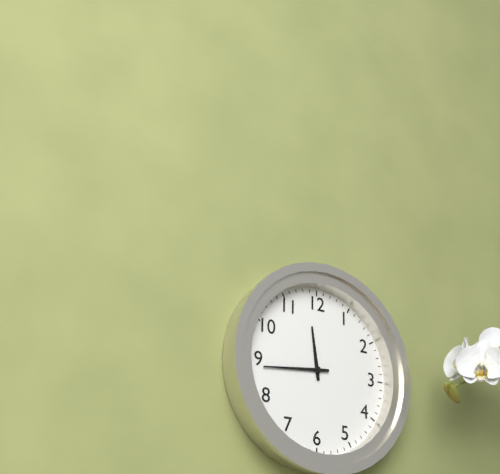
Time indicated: 11:44
